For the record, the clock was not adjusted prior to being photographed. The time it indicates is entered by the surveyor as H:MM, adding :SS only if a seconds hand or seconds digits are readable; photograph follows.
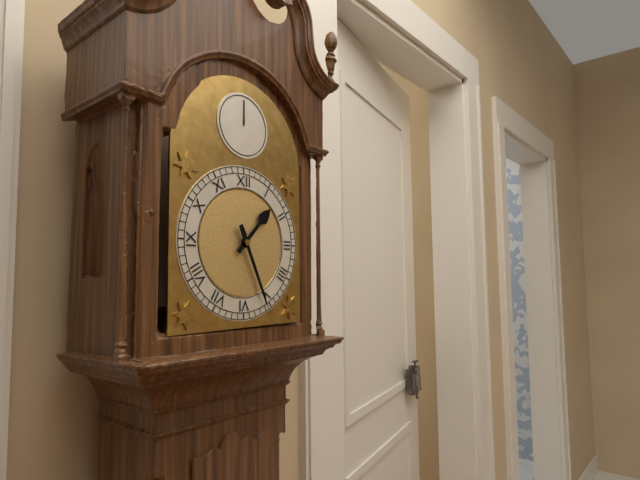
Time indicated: 1:26
